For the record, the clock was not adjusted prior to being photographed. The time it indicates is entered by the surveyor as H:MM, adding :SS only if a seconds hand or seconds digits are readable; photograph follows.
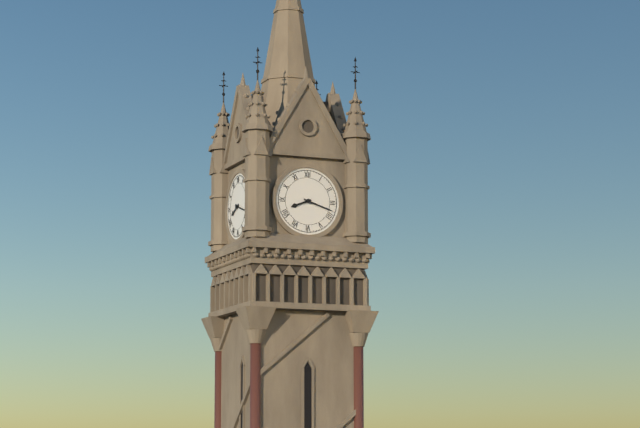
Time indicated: 8:18
